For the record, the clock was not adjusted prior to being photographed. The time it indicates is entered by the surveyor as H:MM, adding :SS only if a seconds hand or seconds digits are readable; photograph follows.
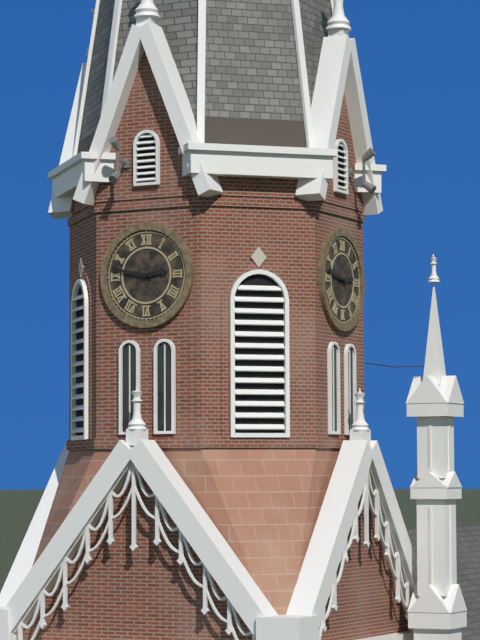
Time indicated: 2:47
